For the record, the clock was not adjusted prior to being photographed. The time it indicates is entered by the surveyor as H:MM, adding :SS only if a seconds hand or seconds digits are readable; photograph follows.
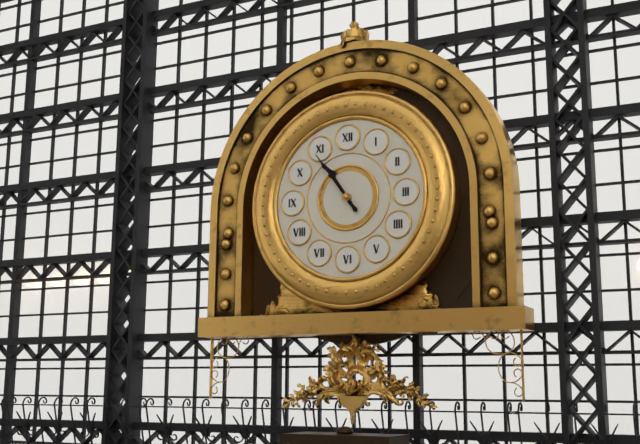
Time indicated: 10:54
